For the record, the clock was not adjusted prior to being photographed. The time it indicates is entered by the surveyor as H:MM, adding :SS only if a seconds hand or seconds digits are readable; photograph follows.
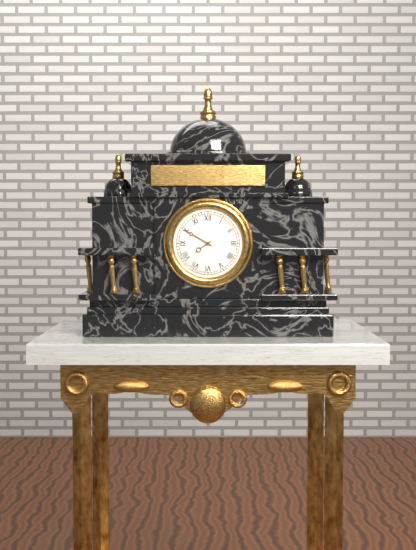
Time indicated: 7:50
